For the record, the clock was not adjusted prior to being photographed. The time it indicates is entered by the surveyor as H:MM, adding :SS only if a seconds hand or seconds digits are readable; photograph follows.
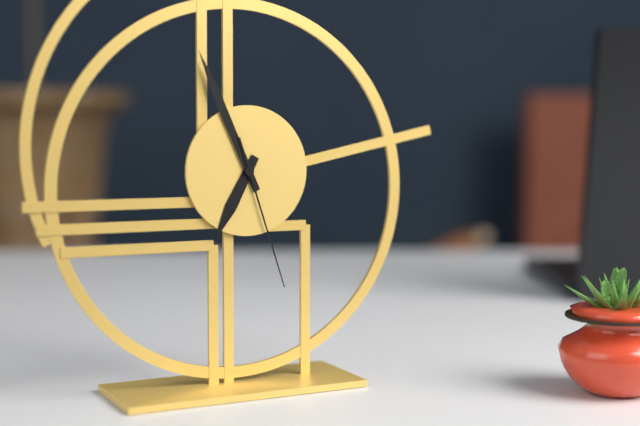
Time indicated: 6:56:27
